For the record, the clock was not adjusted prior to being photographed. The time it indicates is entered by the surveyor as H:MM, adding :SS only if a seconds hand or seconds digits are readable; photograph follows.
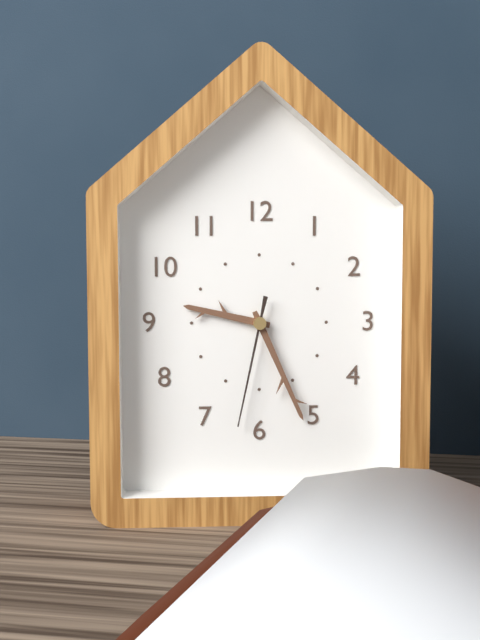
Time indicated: 9:26:32
